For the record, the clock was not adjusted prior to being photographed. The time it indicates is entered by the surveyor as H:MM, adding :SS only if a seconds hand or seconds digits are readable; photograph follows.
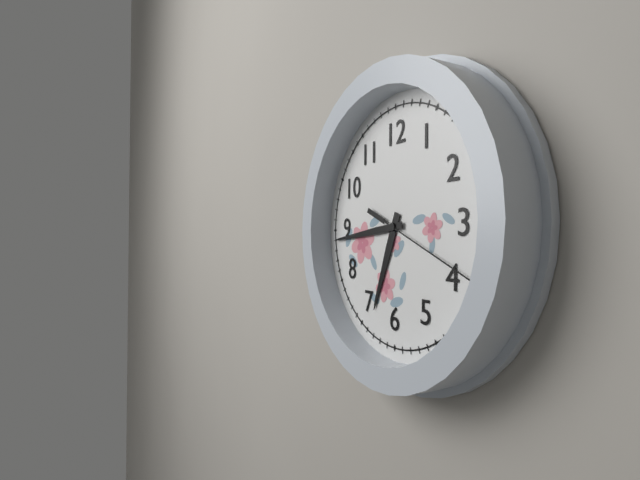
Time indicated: 6:44:19
